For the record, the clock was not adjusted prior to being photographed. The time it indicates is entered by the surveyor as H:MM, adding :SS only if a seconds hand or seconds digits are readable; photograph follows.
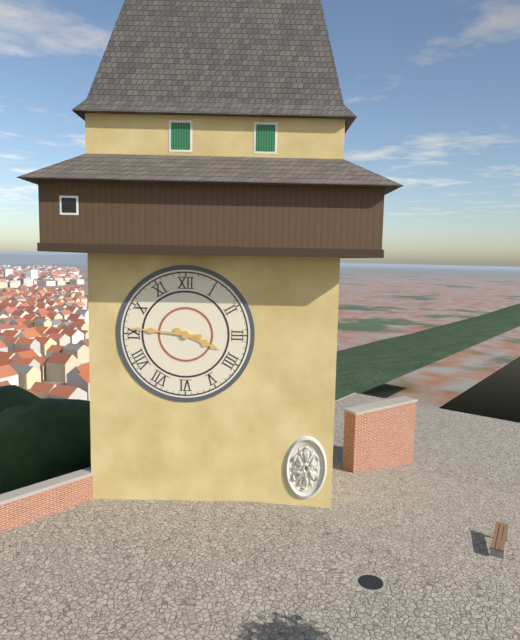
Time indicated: 3:46
